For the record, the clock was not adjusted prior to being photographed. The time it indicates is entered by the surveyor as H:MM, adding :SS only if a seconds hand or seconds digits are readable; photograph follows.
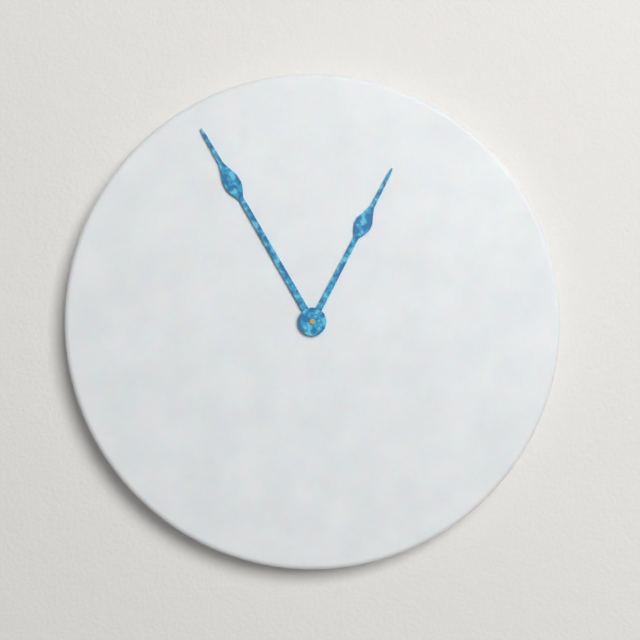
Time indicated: 12:55
